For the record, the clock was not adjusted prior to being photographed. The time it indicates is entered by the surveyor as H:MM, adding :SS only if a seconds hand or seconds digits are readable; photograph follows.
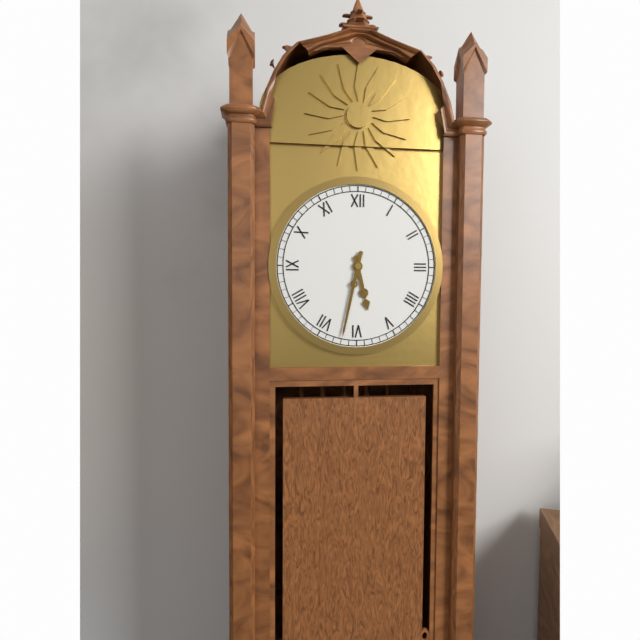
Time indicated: 5:32
